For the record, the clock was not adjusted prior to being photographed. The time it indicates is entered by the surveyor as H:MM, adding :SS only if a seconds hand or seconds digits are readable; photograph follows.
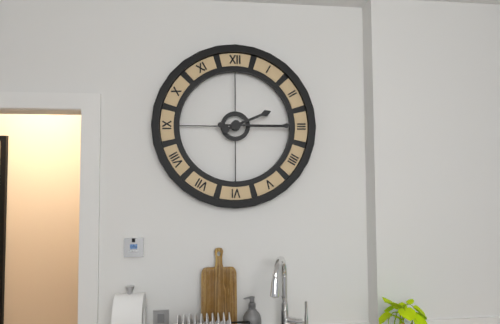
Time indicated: 2:15
